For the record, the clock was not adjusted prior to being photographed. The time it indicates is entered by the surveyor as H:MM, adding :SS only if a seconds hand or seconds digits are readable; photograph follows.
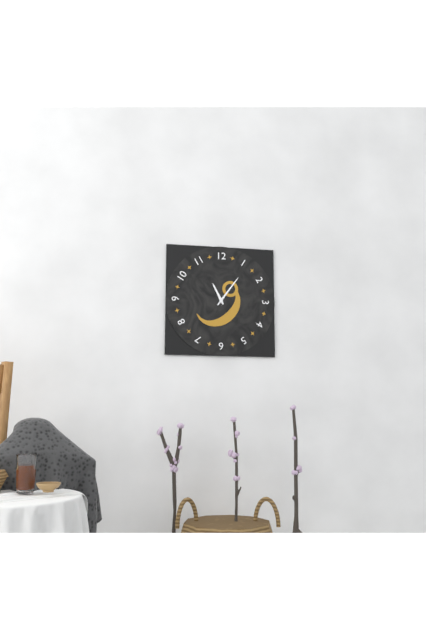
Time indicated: 11:06
